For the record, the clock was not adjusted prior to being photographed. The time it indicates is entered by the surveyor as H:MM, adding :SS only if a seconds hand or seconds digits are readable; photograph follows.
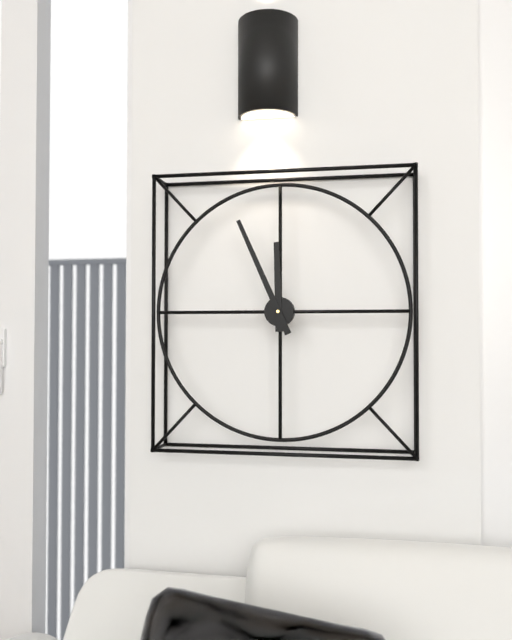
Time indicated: 11:56
